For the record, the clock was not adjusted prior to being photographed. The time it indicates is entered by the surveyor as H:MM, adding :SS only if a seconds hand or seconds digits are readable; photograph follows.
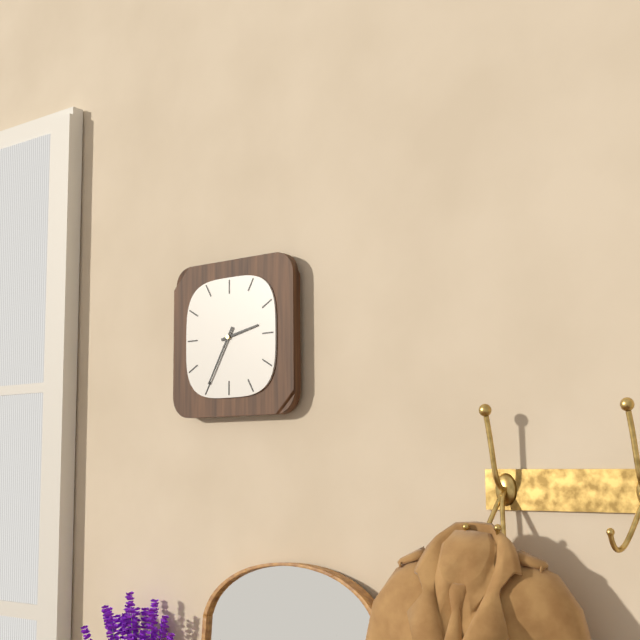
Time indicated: 2:35
